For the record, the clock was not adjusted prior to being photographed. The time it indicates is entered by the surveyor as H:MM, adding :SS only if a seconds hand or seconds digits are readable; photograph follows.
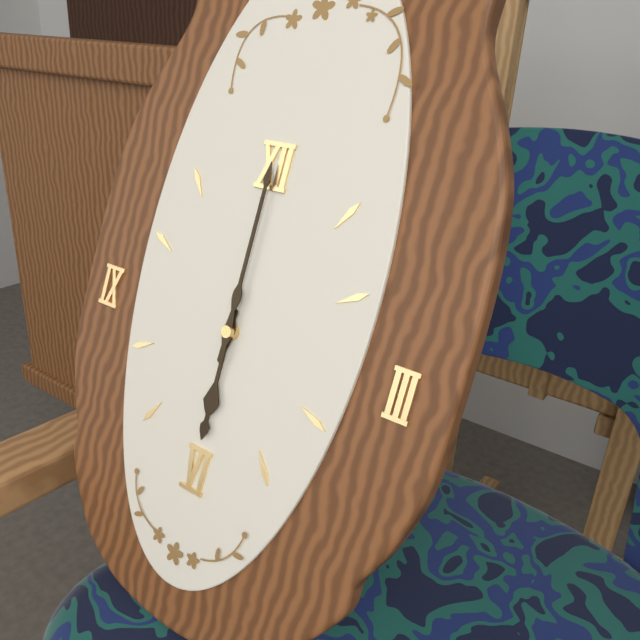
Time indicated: 6:00
